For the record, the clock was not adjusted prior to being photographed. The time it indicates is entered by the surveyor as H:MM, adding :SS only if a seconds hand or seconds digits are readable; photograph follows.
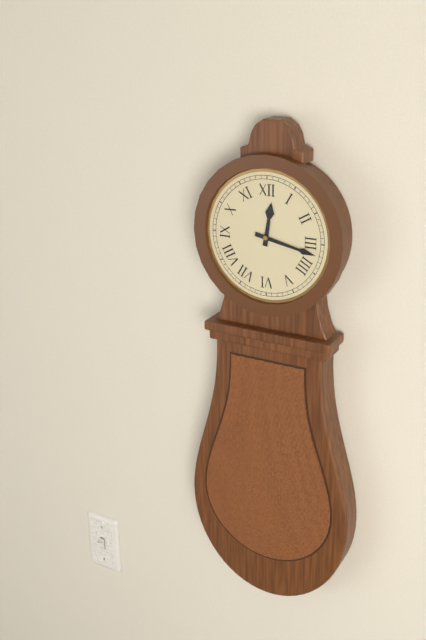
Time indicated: 12:17
